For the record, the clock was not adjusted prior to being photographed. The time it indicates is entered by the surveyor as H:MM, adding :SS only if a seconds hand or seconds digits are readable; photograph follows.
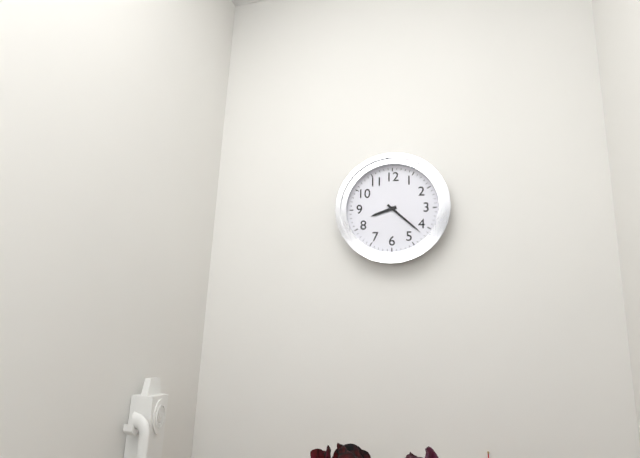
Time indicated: 8:22
